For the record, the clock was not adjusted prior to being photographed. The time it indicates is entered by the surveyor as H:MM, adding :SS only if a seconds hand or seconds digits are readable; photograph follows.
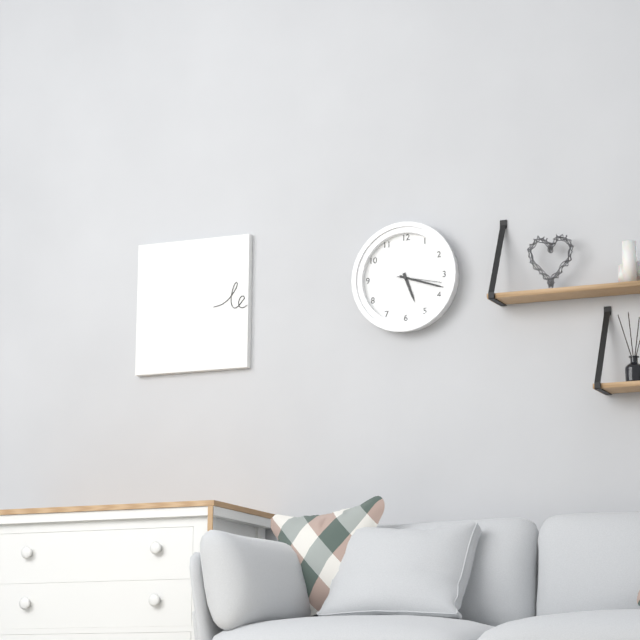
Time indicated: 5:18
